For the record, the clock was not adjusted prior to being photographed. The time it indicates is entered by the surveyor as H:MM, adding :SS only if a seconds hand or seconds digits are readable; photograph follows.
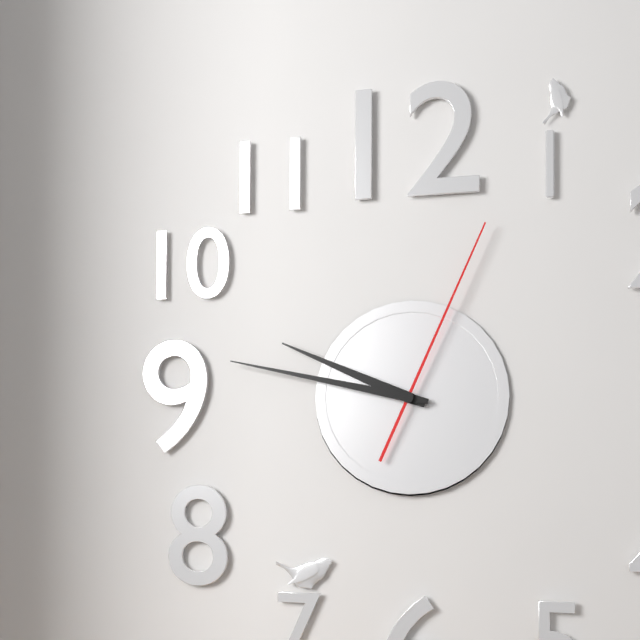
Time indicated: 9:47:04
